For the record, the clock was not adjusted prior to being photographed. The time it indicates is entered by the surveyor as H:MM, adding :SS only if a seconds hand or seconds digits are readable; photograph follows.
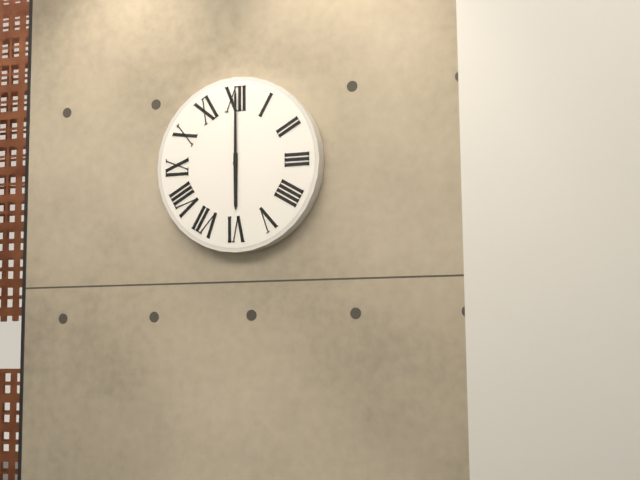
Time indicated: 6:00
